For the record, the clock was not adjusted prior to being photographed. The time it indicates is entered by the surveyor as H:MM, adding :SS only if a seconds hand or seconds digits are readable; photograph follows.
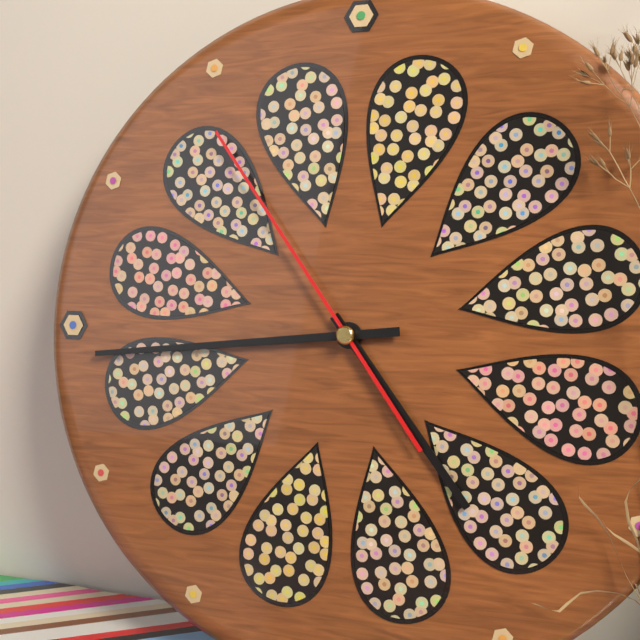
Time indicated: 4:44:54
